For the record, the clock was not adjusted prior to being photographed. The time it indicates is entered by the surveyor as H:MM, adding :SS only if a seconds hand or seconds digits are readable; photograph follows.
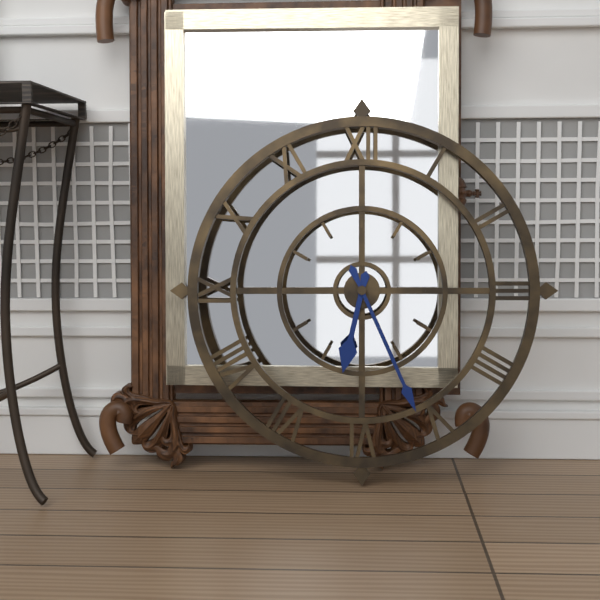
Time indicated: 6:26
